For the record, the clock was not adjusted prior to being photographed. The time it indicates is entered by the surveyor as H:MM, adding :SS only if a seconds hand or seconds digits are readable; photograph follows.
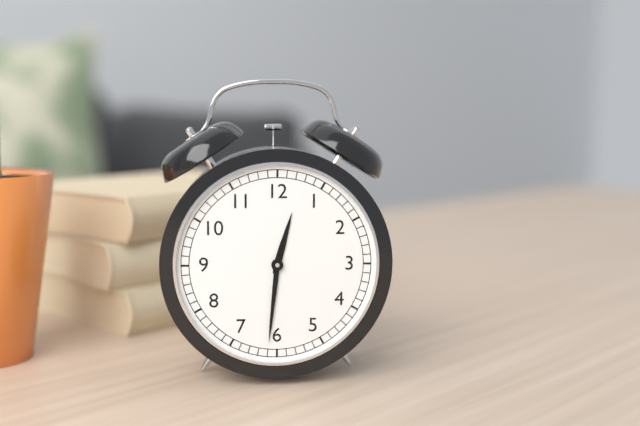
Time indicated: 12:31
